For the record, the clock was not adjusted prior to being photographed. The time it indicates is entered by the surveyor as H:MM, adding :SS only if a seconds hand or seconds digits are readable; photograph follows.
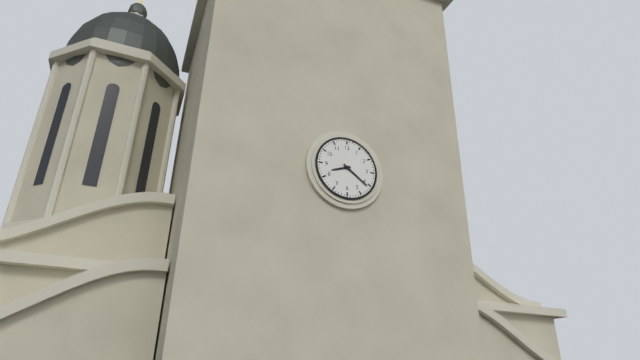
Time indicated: 8:21
